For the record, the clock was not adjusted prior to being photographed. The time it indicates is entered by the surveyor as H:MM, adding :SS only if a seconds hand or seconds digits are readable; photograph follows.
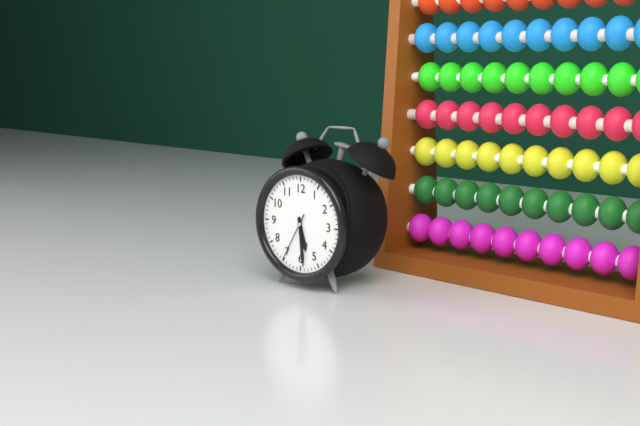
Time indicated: 5:29
